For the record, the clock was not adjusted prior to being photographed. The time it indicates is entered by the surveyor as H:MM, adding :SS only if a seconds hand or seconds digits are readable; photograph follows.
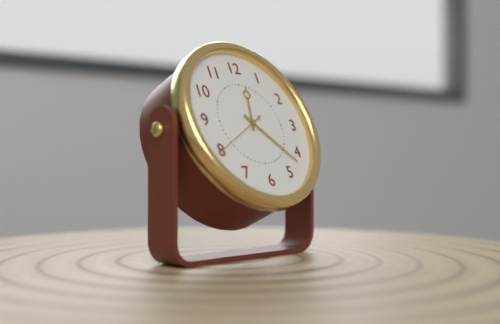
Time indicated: 12:22:40
